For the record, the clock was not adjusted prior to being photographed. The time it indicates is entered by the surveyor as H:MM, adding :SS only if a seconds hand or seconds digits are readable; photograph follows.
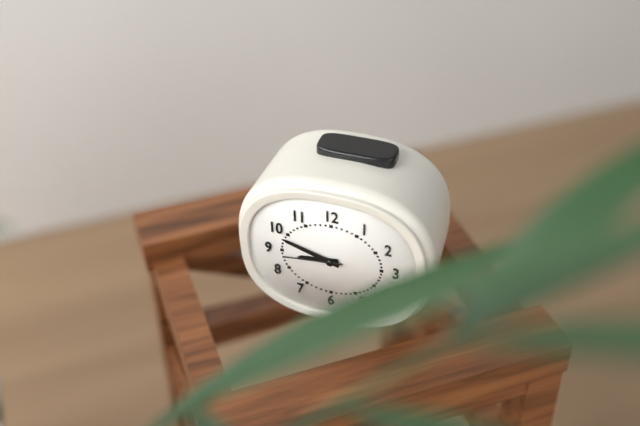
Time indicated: 8:48:44
